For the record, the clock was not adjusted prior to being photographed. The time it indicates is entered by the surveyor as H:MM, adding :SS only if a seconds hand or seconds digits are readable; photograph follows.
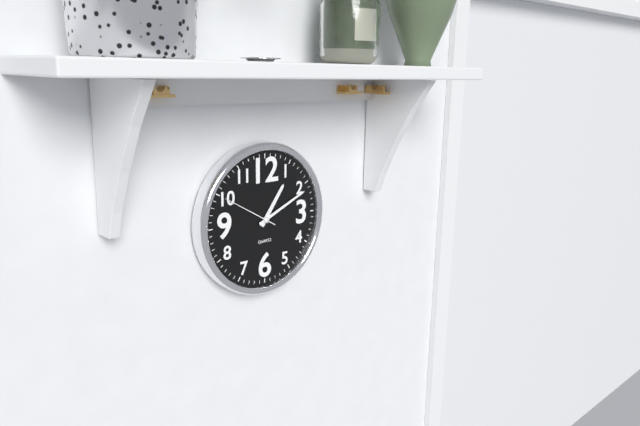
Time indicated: 1:11:50
